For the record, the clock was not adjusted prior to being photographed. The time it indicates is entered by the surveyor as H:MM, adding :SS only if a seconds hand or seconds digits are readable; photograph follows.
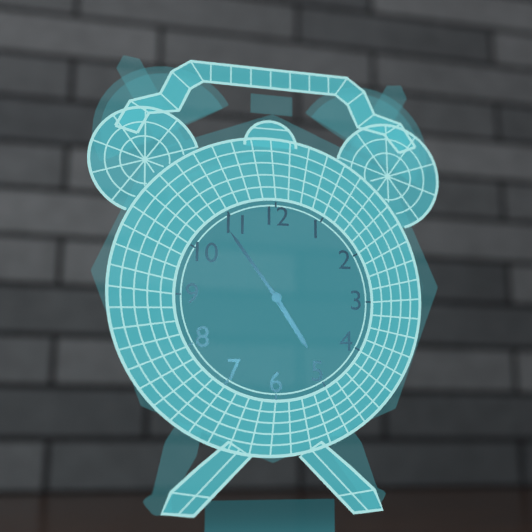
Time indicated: 4:54
